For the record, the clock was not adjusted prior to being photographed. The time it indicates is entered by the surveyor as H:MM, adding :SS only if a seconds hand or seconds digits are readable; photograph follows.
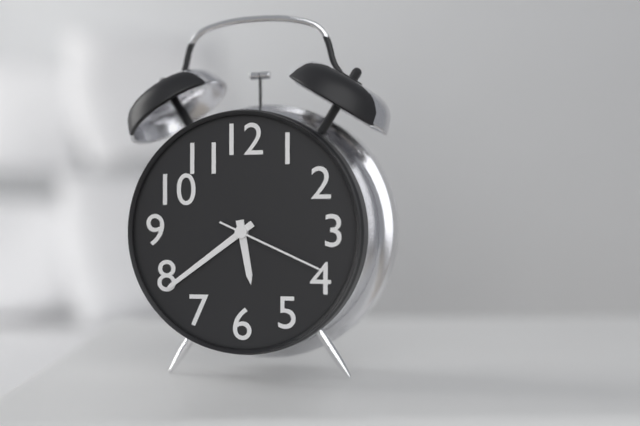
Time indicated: 5:39:19
